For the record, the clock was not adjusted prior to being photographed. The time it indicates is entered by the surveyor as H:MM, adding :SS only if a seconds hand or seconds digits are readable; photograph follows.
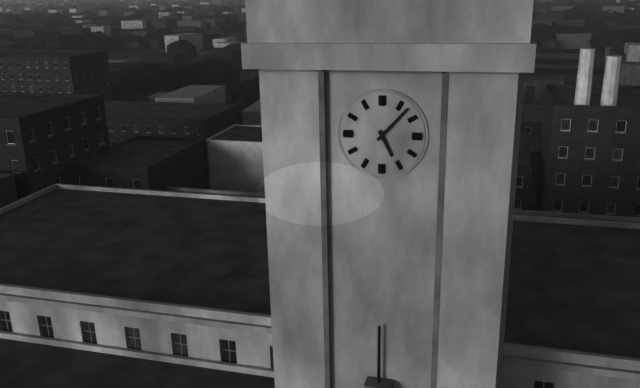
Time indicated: 5:07
